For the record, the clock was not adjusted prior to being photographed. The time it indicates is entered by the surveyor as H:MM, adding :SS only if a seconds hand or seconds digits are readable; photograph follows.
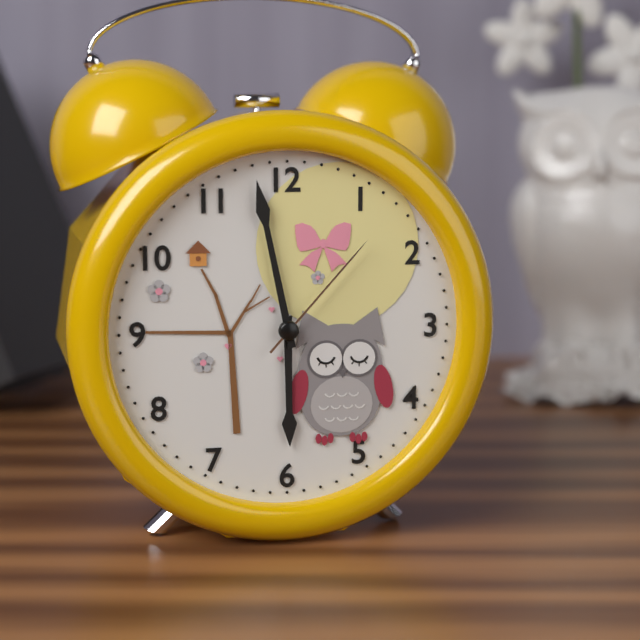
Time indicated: 5:58:07
